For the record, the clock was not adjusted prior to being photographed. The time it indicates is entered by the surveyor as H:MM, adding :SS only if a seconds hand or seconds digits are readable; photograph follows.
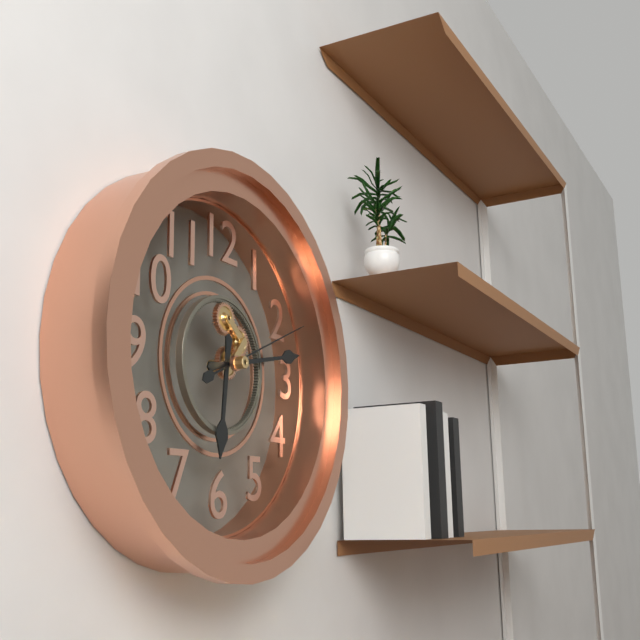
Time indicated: 6:13:11
